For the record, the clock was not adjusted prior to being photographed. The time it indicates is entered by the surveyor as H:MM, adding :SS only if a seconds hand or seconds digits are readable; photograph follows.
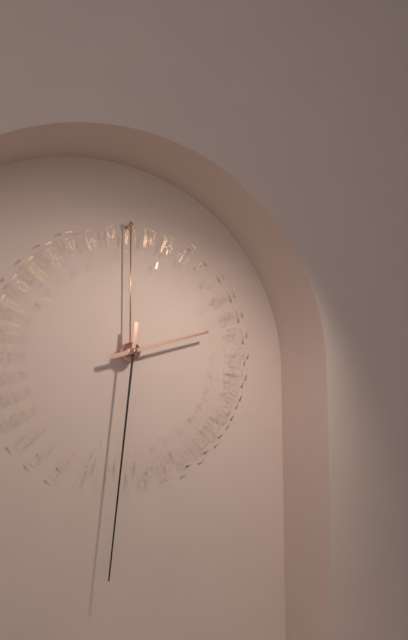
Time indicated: 2:31
